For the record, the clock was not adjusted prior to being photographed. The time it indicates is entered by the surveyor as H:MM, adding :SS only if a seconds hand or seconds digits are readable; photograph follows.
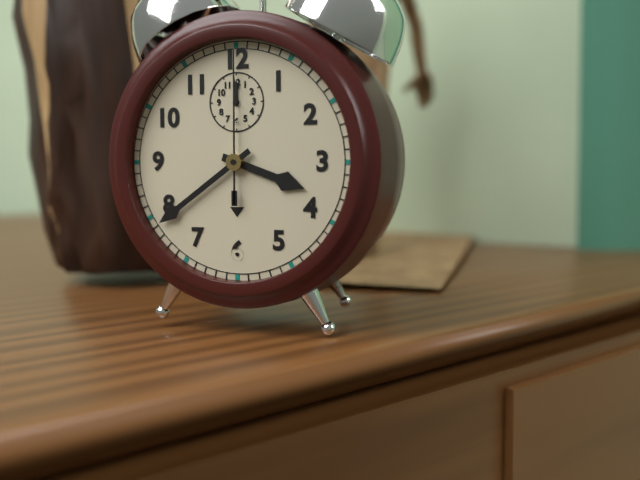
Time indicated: 3:39:00
